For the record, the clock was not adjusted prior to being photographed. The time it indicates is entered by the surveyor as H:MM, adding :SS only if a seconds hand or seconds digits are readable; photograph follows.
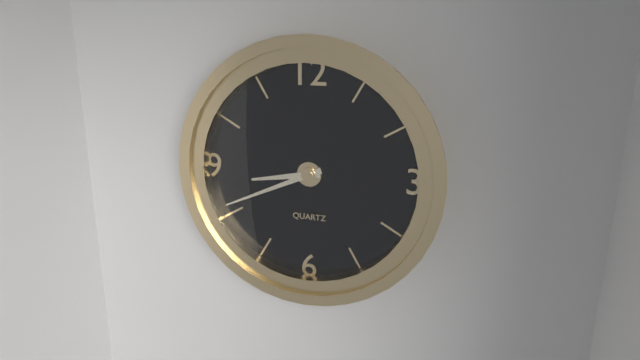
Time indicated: 8:41
